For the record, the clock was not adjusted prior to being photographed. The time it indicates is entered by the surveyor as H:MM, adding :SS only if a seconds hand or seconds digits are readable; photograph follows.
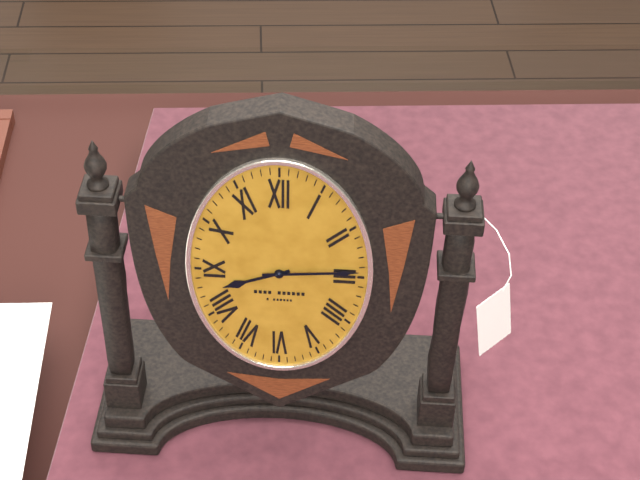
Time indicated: 8:14
